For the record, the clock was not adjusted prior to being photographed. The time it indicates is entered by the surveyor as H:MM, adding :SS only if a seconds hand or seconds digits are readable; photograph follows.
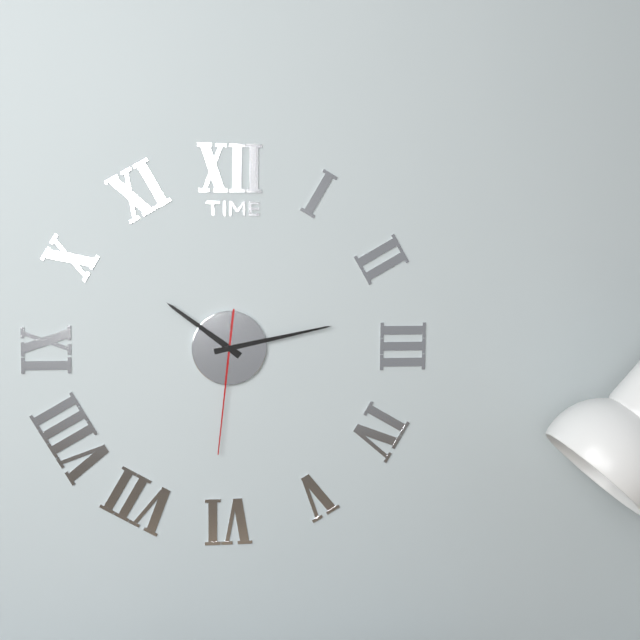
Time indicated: 10:13:31
